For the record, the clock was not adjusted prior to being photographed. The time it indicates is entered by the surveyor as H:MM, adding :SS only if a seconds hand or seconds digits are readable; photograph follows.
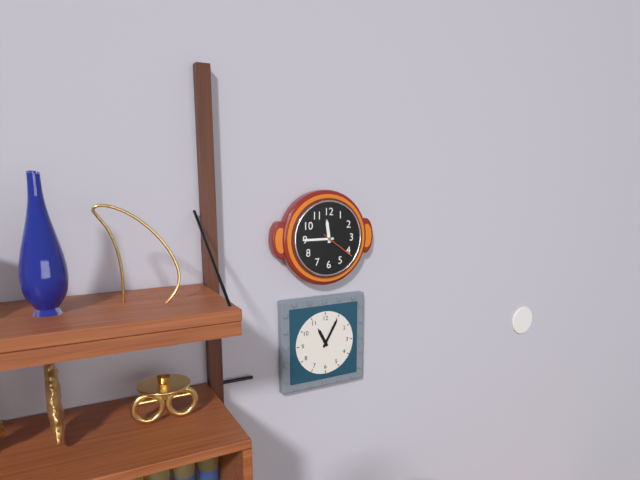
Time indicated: 11:45
